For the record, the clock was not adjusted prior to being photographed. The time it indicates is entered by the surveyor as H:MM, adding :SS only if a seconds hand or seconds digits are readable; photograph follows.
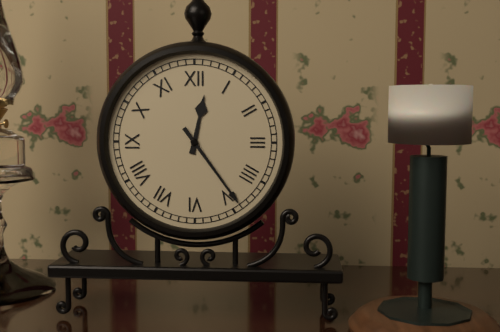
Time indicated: 12:24
